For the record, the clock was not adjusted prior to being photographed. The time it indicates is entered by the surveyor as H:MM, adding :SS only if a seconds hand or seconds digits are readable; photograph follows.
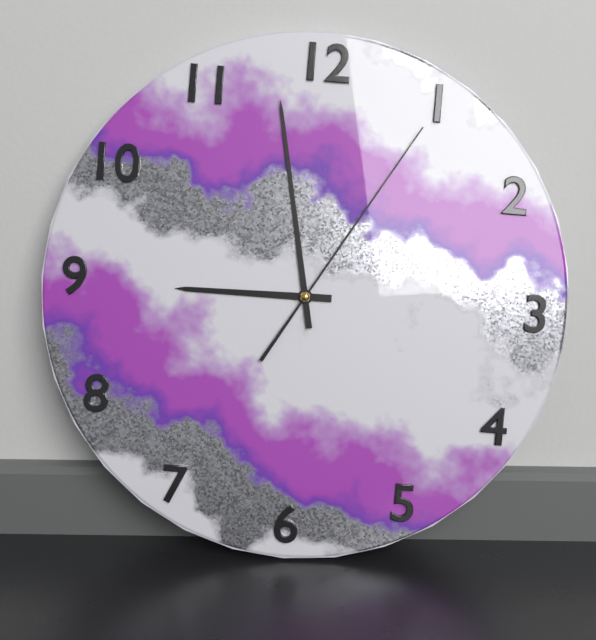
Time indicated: 8:58:05
